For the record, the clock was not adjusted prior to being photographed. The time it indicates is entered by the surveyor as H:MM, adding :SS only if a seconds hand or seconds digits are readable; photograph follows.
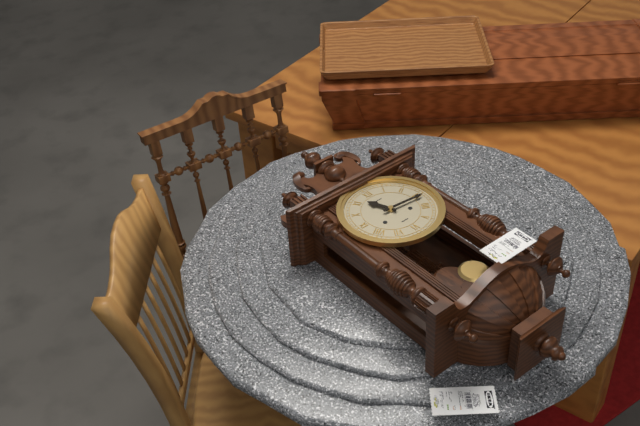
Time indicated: 11:16
